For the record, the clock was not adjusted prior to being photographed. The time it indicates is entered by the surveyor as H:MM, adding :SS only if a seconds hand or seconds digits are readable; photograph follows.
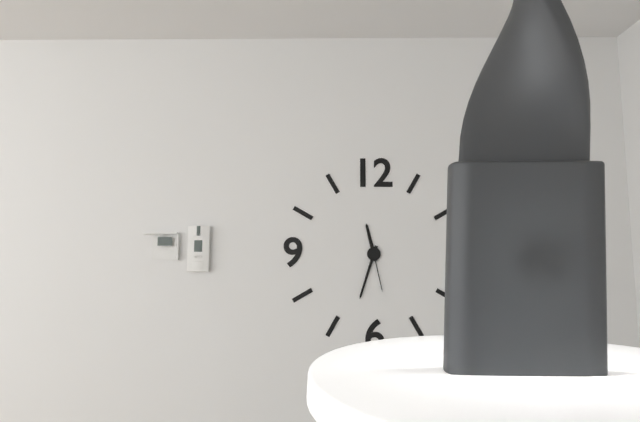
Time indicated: 11:33
